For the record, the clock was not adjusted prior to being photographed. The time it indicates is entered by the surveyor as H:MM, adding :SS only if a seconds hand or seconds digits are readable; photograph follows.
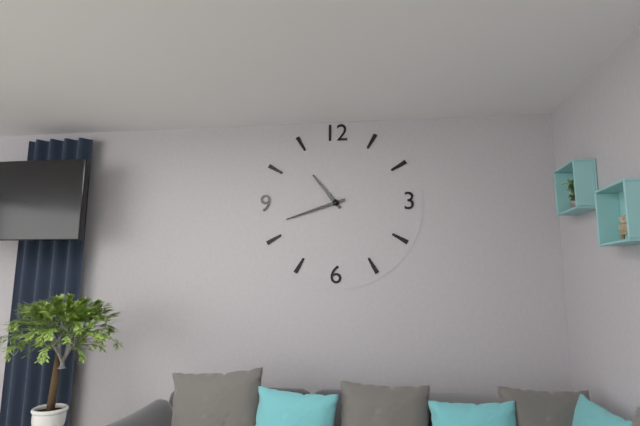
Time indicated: 10:42
